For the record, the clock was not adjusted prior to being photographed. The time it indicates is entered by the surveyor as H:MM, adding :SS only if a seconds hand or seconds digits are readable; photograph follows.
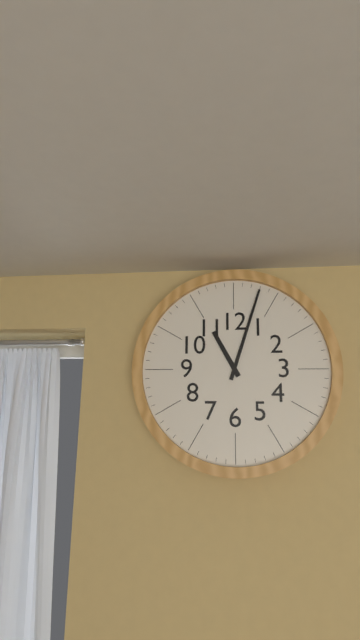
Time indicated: 11:03
